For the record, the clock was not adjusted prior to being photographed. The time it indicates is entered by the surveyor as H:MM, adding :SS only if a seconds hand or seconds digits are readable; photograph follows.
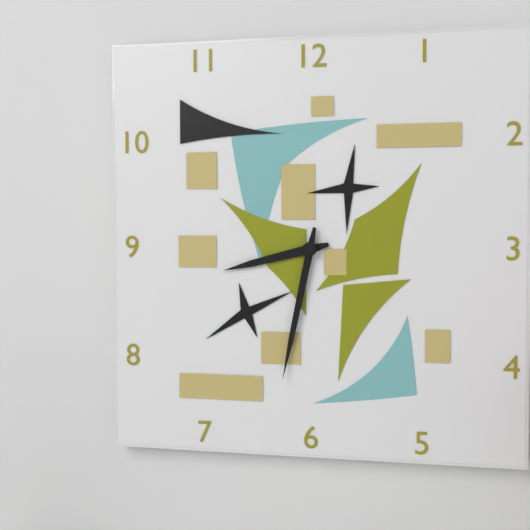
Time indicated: 8:32
